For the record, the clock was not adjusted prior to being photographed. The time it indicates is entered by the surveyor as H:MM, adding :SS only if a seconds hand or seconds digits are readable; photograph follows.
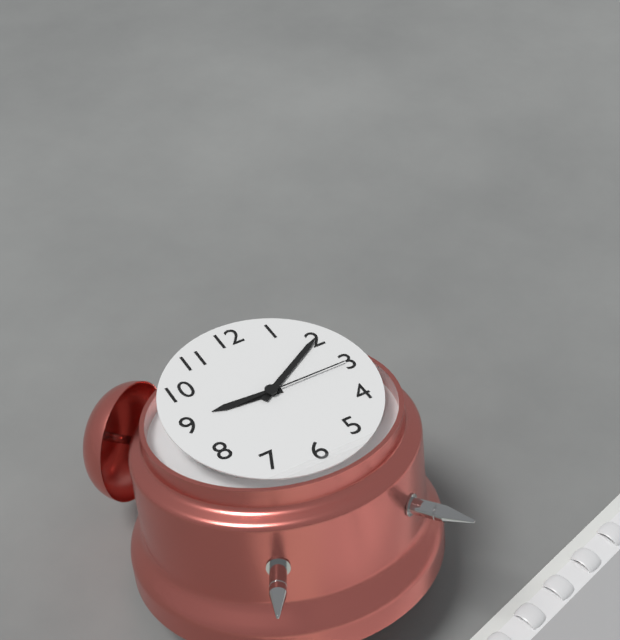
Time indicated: 9:10:15
